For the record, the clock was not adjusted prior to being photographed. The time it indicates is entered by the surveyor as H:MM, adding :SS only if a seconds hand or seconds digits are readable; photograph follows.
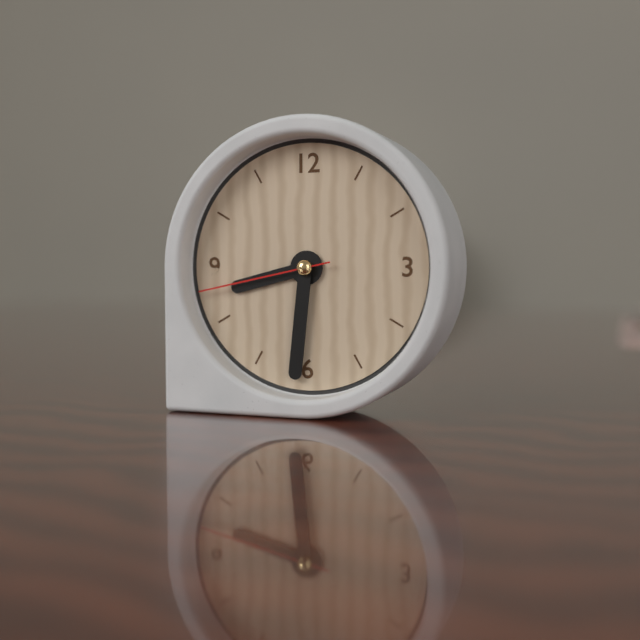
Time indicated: 8:31:43
